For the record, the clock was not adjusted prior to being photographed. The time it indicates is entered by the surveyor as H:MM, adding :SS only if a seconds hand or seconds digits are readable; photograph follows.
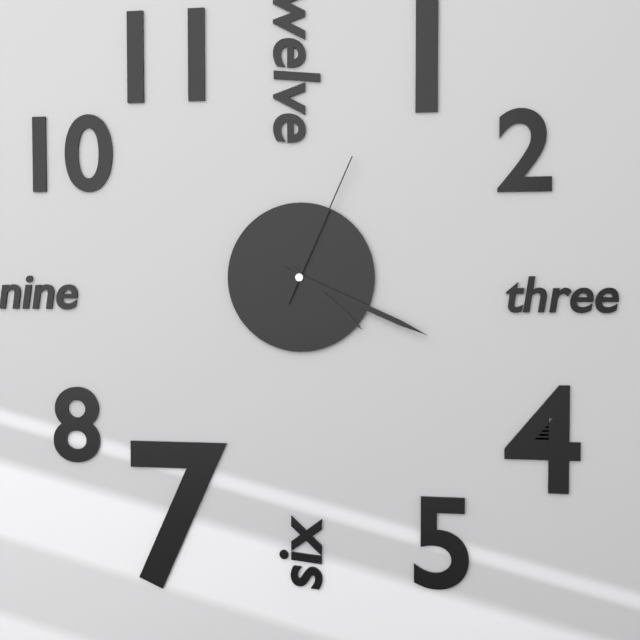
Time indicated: 4:19:04
